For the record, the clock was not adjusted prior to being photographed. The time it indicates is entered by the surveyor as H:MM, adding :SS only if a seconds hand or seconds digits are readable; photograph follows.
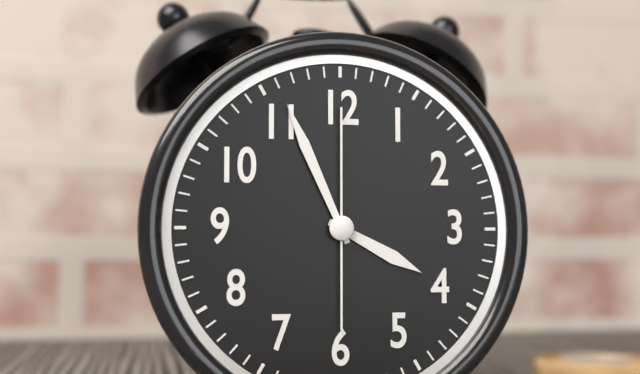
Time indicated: 3:56:00
